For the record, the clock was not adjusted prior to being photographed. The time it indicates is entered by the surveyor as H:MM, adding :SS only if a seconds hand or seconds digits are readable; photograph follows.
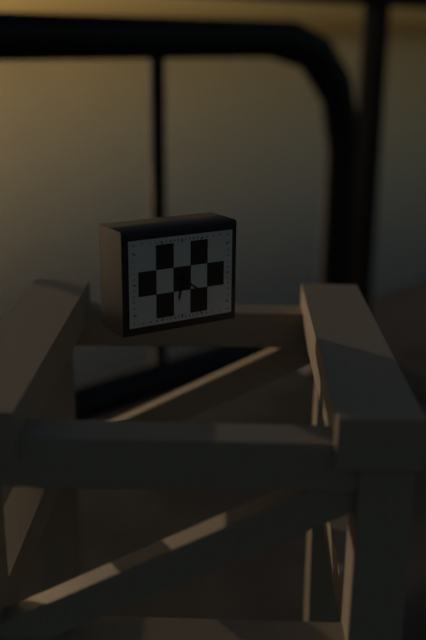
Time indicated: 6:21
